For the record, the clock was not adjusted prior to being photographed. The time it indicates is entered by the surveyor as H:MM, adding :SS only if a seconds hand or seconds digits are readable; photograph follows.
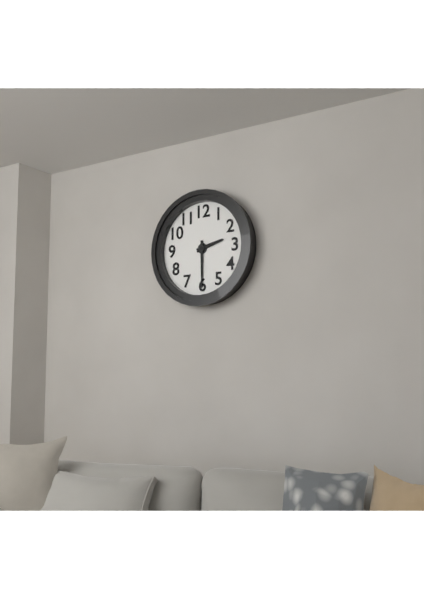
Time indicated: 2:30
